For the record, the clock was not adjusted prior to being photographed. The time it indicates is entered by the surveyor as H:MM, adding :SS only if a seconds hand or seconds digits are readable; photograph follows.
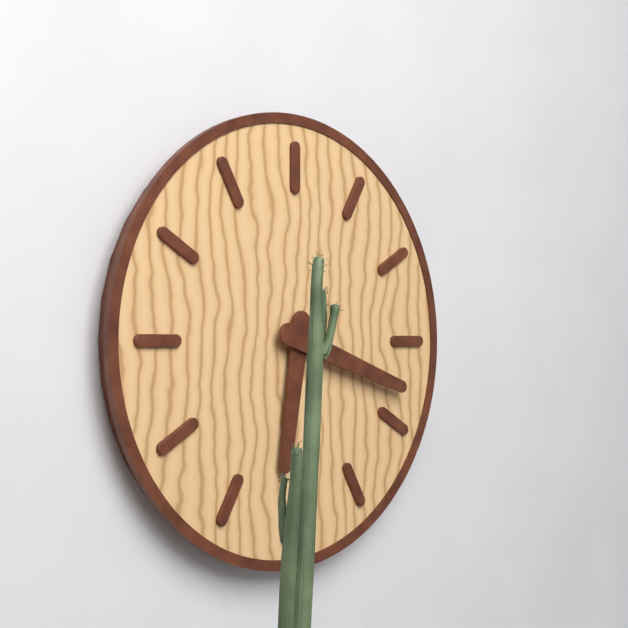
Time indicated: 6:18
